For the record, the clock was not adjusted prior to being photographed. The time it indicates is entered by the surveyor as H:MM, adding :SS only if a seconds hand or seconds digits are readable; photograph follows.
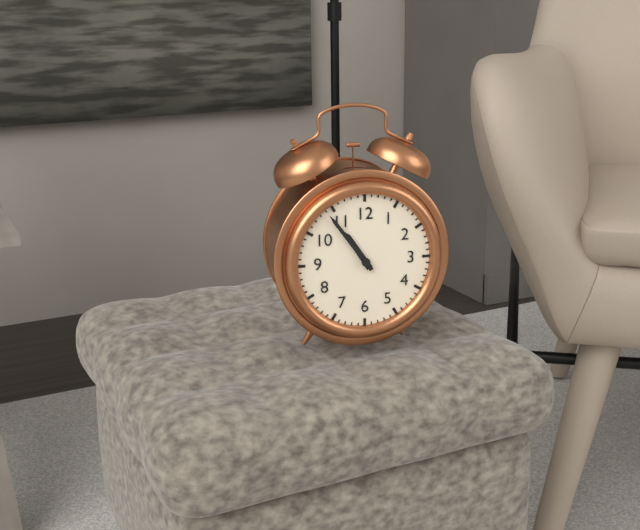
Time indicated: 10:54
